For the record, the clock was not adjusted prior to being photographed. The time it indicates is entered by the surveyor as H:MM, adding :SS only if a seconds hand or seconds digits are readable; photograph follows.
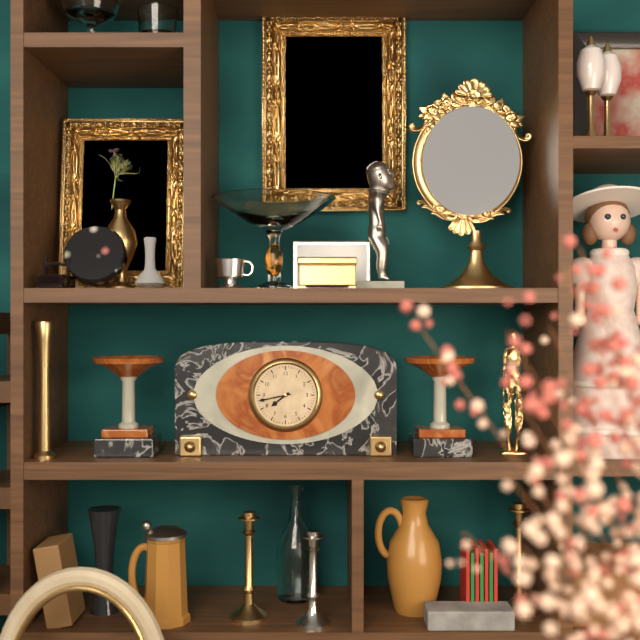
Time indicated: 7:43
